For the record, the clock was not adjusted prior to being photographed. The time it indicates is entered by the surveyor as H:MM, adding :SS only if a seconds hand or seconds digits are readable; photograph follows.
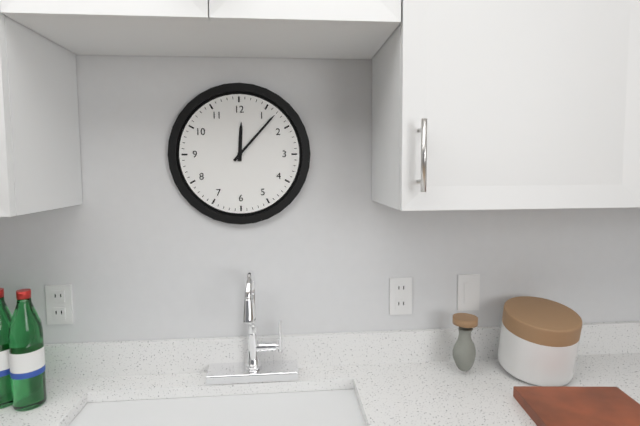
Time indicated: 12:07
